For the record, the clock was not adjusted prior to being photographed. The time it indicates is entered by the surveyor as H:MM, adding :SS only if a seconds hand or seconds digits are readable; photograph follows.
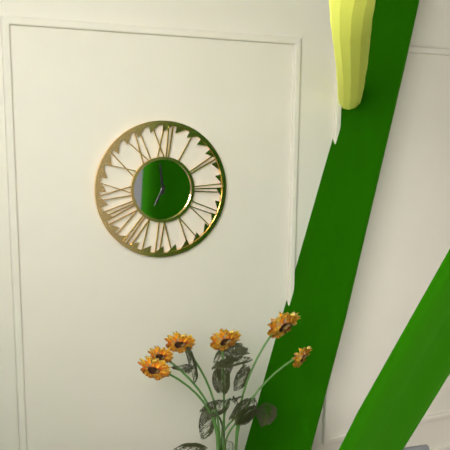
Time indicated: 6:59
